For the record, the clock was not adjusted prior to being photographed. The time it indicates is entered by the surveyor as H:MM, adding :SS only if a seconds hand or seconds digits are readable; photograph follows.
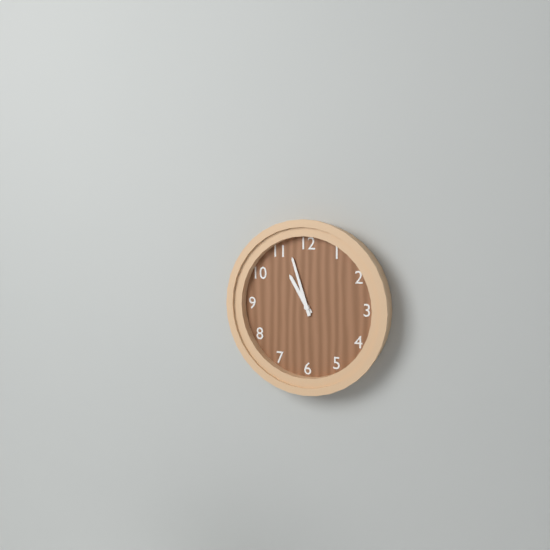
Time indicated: 10:57
